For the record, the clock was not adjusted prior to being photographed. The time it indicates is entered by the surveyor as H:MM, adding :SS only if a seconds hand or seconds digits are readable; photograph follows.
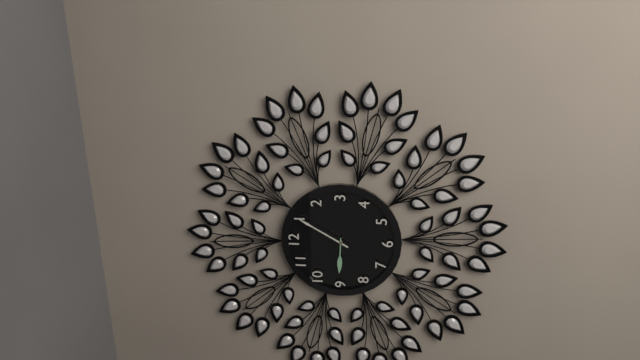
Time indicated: 9:05
